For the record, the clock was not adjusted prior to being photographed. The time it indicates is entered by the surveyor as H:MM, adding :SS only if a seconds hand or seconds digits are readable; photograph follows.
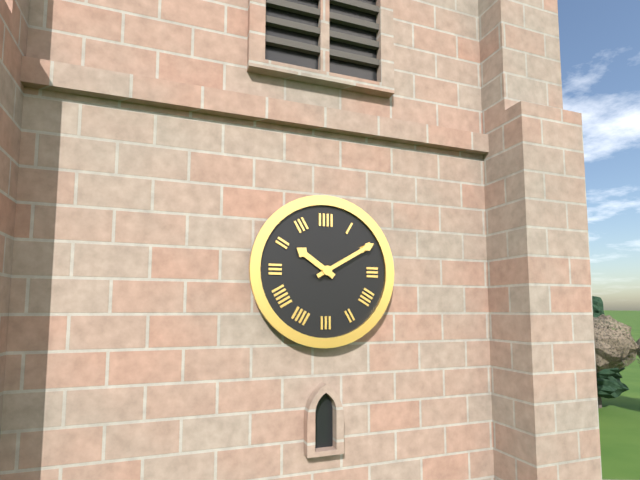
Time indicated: 10:10
